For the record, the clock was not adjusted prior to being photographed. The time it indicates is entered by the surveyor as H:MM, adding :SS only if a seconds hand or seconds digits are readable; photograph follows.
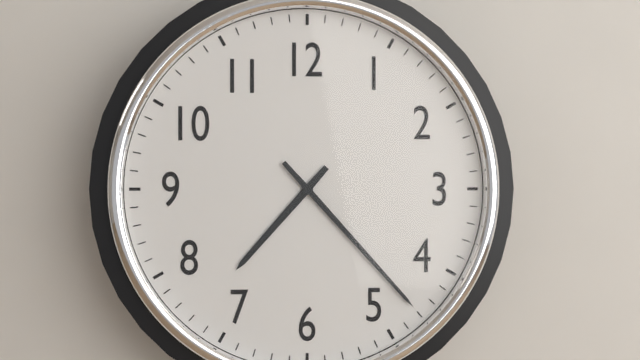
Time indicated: 7:23
